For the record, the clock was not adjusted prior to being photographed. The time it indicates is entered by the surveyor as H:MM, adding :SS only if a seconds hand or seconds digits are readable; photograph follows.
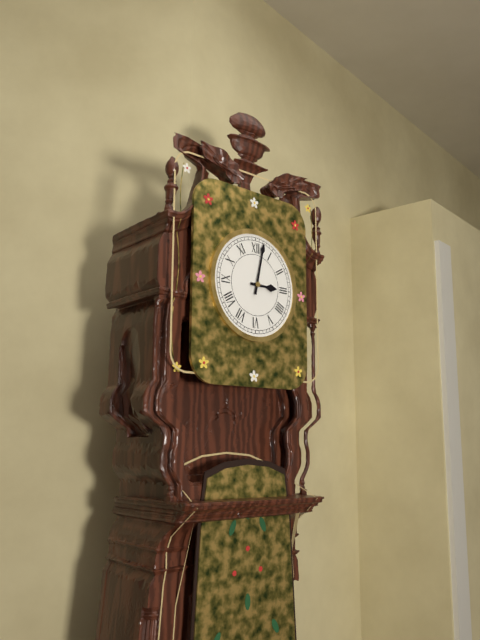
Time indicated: 3:02
